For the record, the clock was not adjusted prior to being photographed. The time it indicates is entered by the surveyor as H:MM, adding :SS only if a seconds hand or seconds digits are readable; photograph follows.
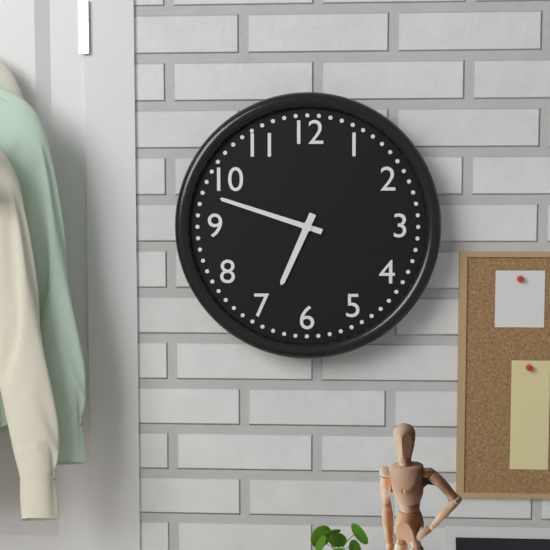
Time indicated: 6:48
